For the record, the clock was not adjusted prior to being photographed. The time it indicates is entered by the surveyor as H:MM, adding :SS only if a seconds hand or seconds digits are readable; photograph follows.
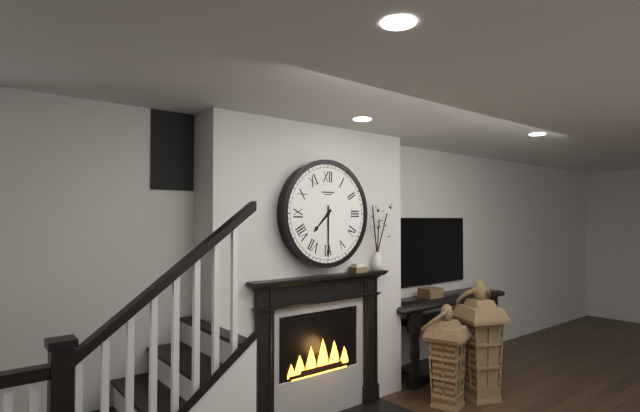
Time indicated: 7:30
